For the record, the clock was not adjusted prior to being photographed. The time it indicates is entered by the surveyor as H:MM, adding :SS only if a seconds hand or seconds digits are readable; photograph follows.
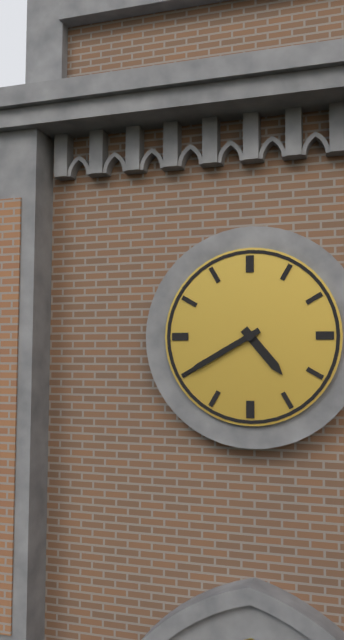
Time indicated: 4:40
